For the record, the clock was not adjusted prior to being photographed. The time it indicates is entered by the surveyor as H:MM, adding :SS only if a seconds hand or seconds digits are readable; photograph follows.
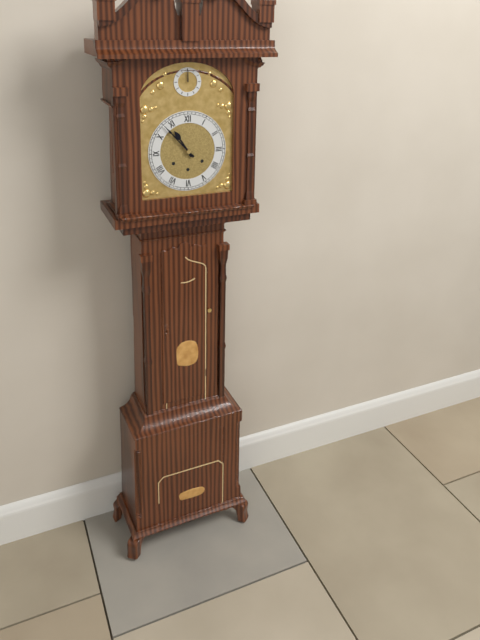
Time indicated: 10:53
